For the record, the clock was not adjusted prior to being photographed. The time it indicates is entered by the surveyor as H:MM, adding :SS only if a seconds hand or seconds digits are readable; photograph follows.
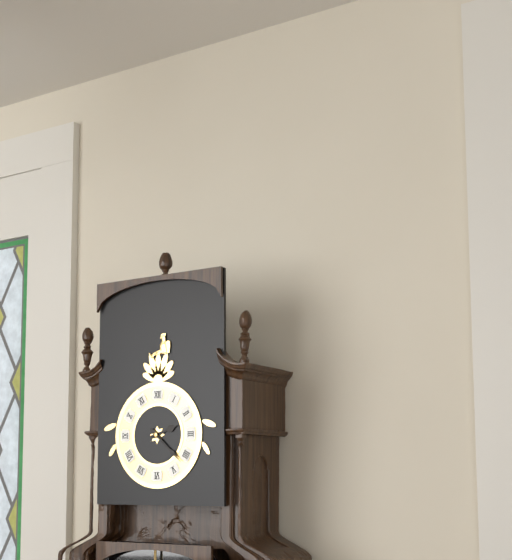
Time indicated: 2:22
